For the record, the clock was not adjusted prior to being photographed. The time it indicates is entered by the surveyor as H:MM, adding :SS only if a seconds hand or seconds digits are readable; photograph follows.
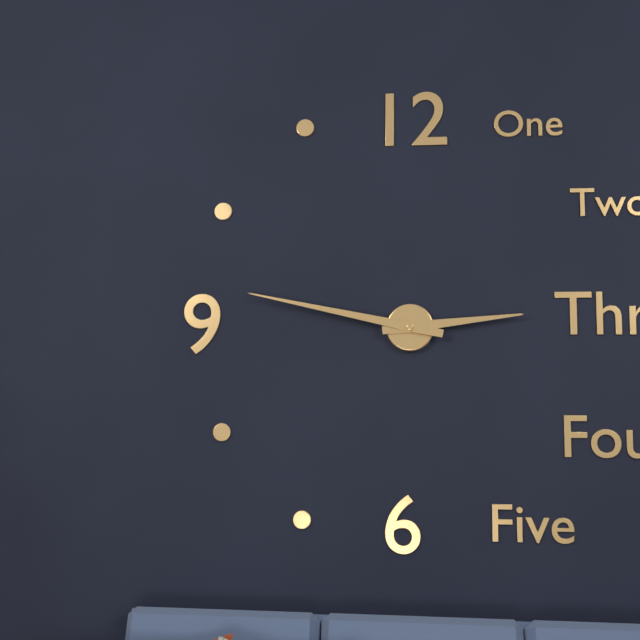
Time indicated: 2:47
